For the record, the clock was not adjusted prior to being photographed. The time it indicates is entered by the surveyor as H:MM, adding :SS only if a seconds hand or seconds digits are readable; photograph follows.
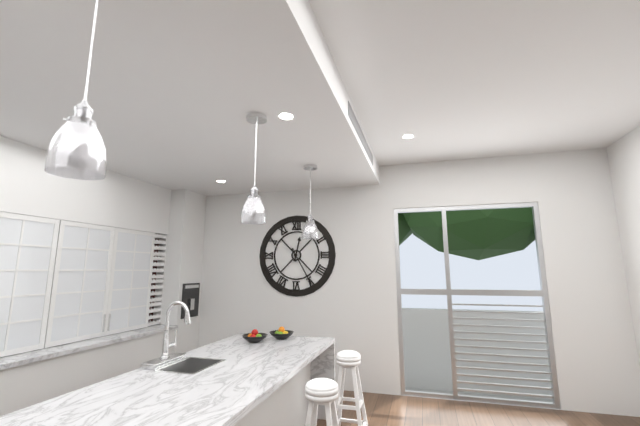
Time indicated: 12:25
